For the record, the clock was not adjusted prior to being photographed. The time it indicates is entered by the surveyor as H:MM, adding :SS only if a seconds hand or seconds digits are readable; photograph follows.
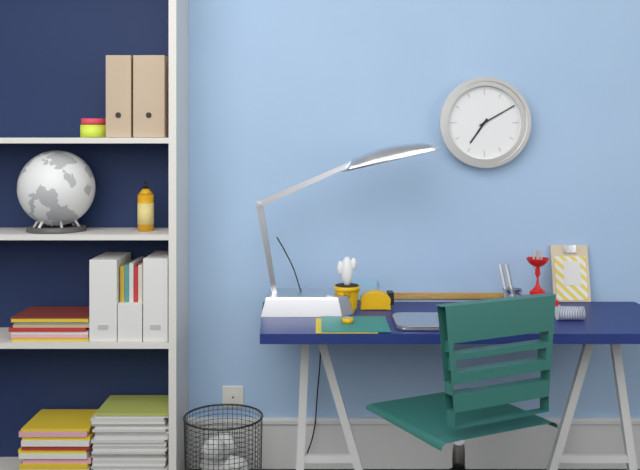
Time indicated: 7:10
